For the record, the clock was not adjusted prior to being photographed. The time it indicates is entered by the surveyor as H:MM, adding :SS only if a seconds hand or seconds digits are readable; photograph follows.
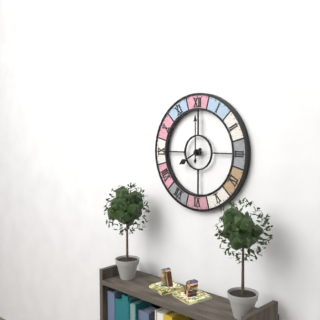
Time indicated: 8:00
